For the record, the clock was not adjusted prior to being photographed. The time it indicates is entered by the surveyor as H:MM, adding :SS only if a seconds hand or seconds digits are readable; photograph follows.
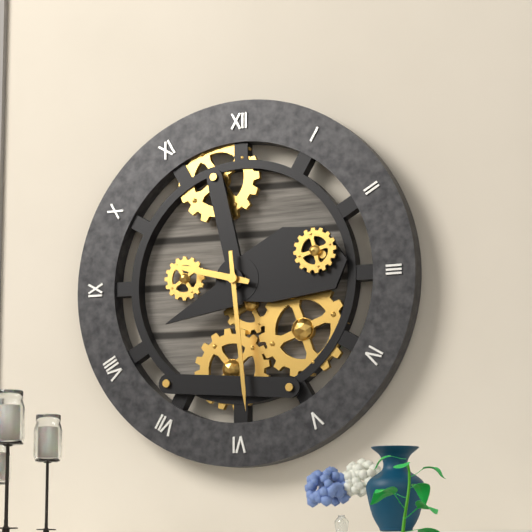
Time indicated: 9:29
